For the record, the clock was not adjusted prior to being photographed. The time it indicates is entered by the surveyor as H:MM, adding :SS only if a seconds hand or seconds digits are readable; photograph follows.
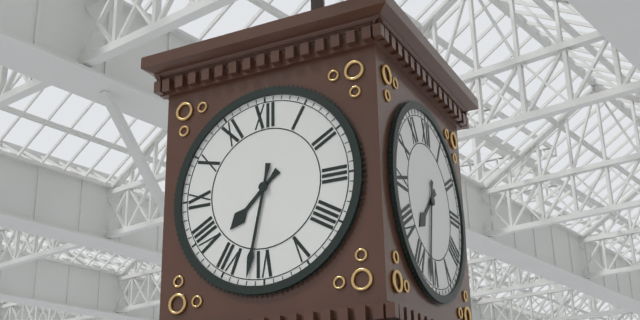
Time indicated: 7:32
